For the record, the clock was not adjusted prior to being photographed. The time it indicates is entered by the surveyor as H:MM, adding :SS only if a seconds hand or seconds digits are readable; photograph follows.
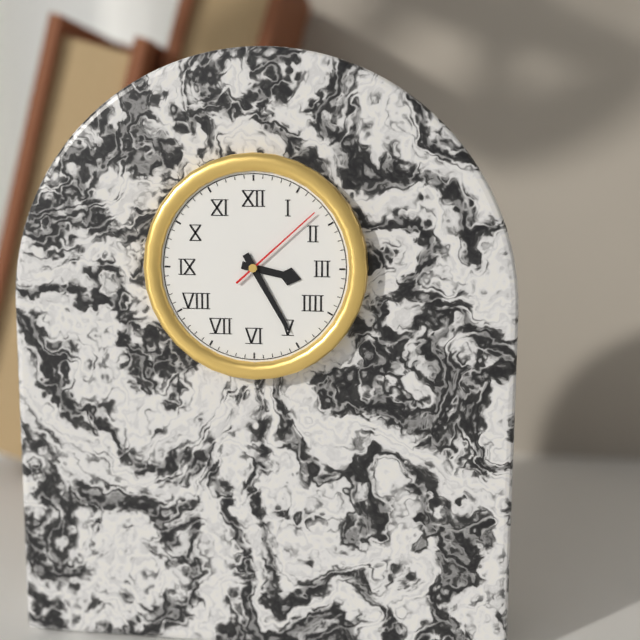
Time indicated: 3:25:08
